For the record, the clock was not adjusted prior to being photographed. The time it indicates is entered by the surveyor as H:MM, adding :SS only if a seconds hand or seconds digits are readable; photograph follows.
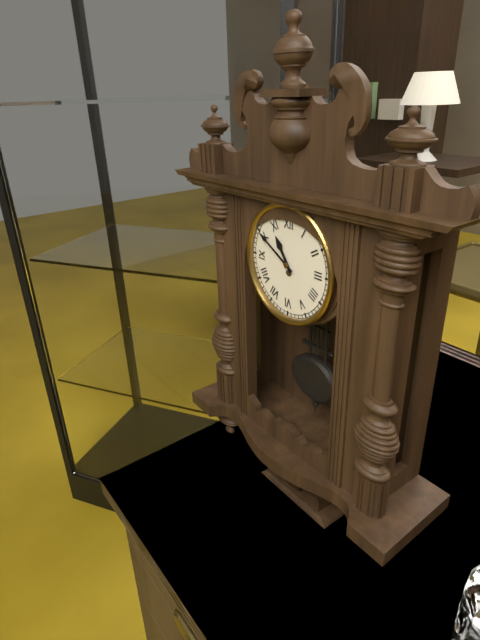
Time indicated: 10:50
